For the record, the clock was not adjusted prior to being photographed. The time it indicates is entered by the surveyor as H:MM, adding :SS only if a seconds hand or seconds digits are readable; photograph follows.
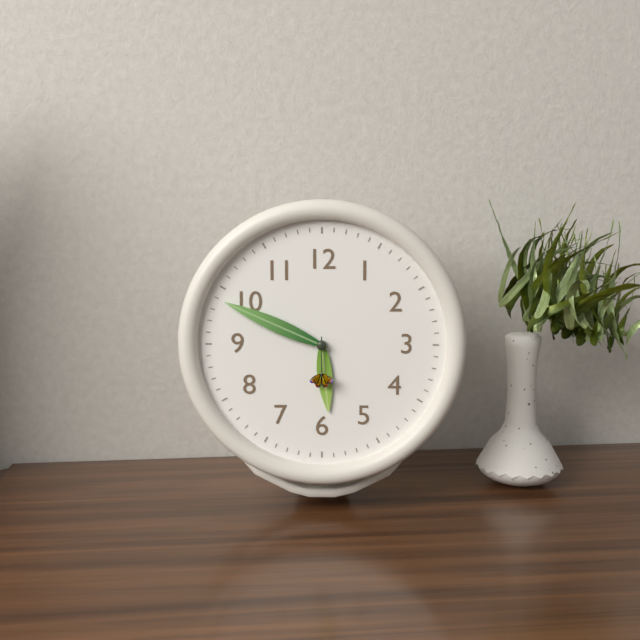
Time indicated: 5:49:30
